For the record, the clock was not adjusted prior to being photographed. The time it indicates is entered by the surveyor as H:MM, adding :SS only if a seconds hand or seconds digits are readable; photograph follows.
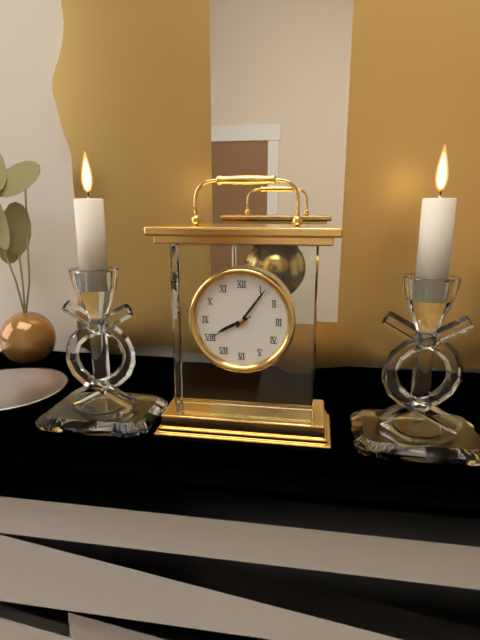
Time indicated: 8:06
